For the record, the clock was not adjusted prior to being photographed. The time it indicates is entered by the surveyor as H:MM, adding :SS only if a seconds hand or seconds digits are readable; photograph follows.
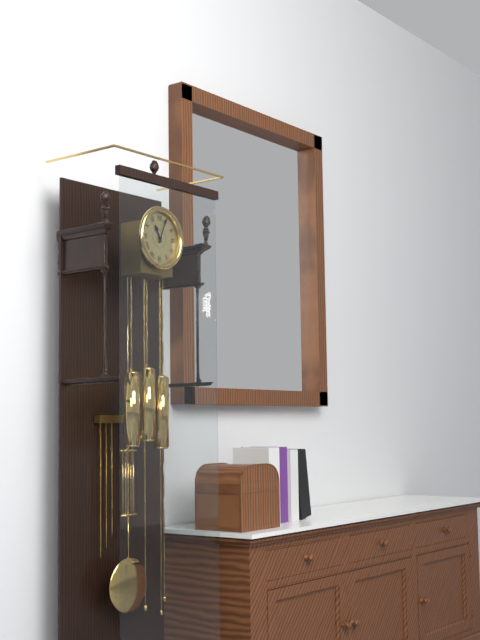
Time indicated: 11:04
